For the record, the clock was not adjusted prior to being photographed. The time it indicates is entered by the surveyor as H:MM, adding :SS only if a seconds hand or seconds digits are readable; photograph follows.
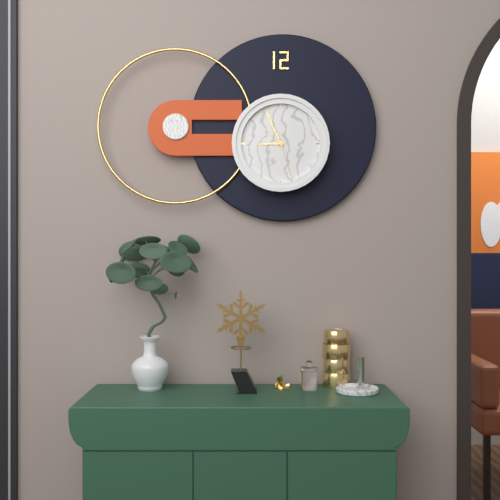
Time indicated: 8:56:27
